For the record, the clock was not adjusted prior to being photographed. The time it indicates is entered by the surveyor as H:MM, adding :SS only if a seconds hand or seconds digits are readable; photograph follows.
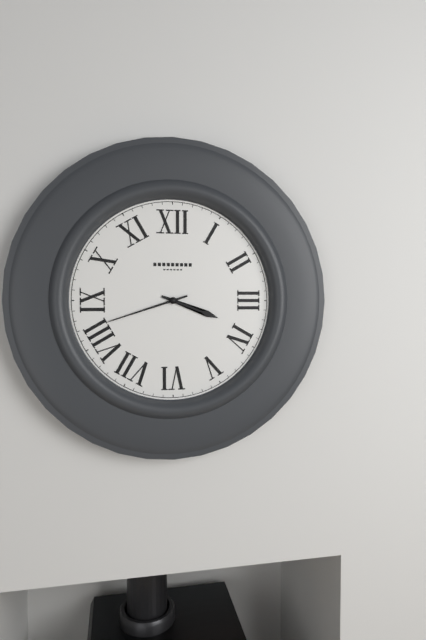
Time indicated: 3:42
